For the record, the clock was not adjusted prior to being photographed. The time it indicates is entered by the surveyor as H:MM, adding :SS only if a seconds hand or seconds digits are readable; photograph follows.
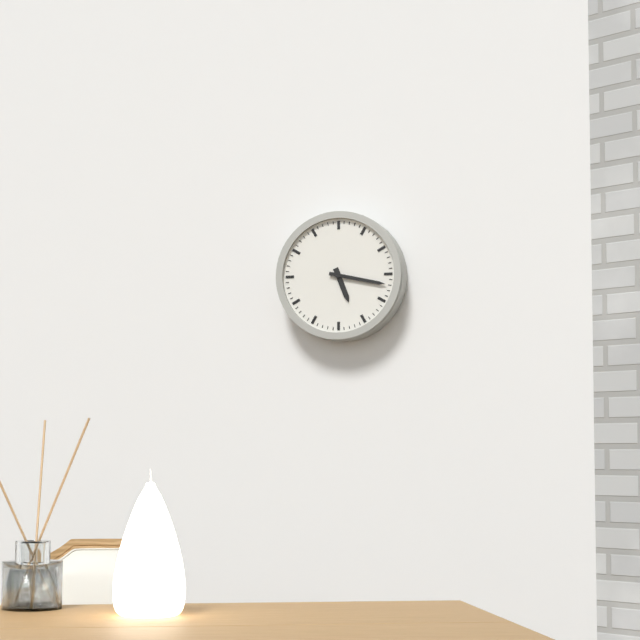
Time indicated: 5:17
